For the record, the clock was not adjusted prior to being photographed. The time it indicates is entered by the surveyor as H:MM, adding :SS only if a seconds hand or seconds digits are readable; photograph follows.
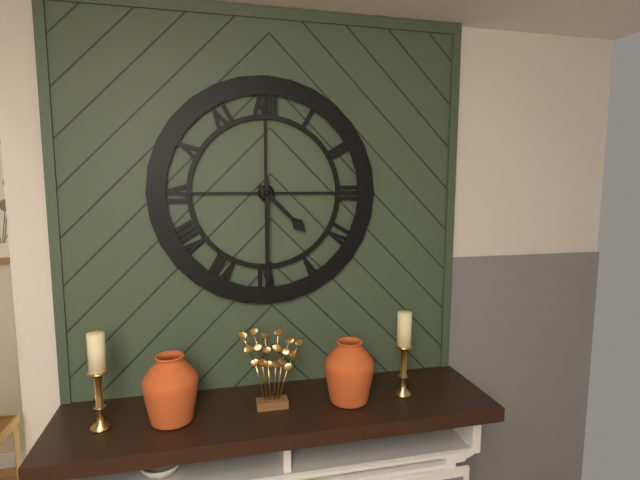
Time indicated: 4:30
